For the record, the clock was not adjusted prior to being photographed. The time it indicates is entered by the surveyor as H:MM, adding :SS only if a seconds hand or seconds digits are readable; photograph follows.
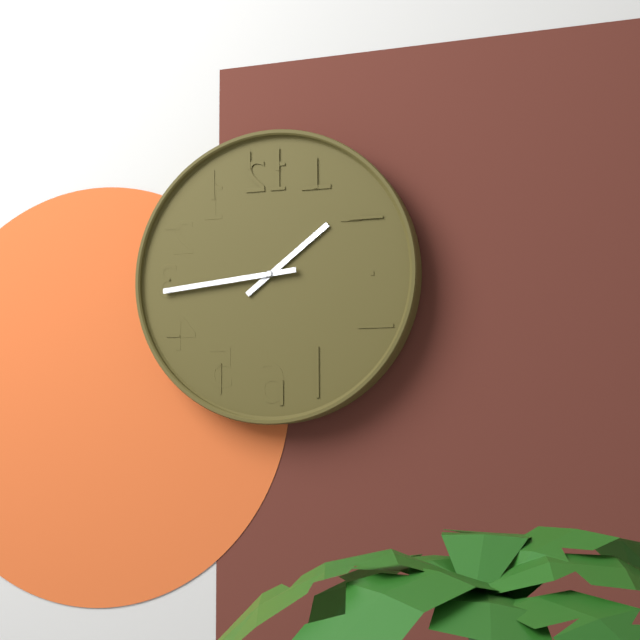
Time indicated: 1:44
